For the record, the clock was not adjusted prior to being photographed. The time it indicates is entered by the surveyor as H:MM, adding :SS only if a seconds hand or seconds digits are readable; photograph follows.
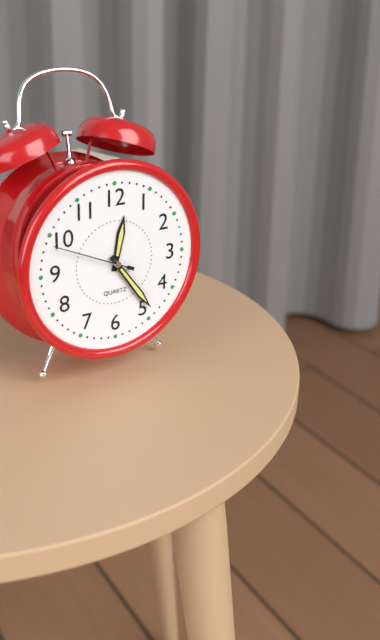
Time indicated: 12:24:49
